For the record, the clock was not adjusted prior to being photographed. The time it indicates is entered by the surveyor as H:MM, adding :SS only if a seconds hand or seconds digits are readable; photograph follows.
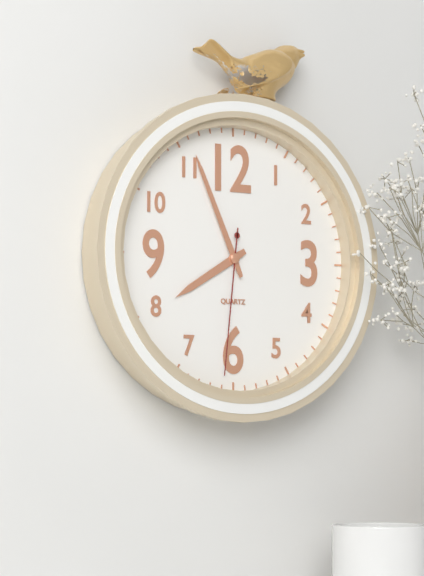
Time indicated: 7:56:31
